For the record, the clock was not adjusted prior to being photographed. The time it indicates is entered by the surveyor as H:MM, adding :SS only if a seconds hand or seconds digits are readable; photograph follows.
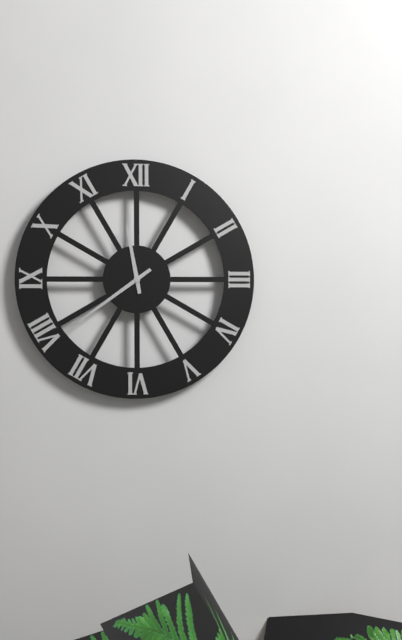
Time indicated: 11:39
